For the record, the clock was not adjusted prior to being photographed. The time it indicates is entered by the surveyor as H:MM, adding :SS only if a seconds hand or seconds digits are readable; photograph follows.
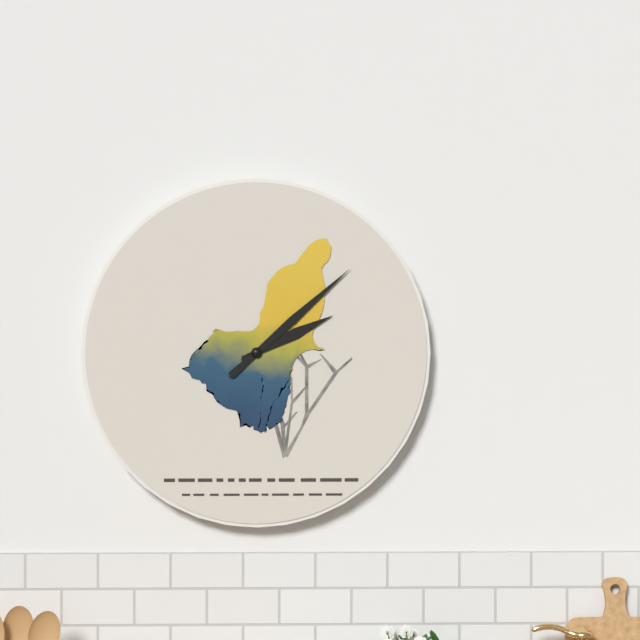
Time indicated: 2:08
